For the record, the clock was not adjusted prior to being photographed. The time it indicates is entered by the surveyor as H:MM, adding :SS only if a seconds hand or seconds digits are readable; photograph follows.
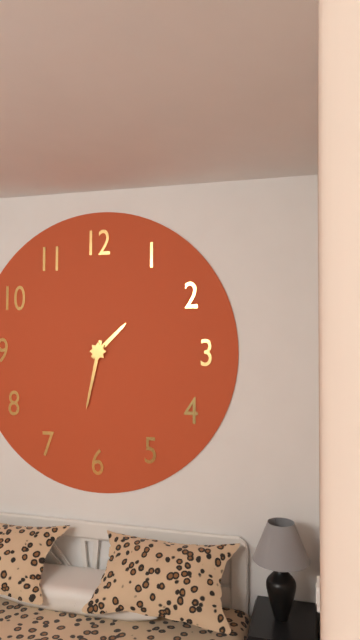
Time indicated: 1:32
